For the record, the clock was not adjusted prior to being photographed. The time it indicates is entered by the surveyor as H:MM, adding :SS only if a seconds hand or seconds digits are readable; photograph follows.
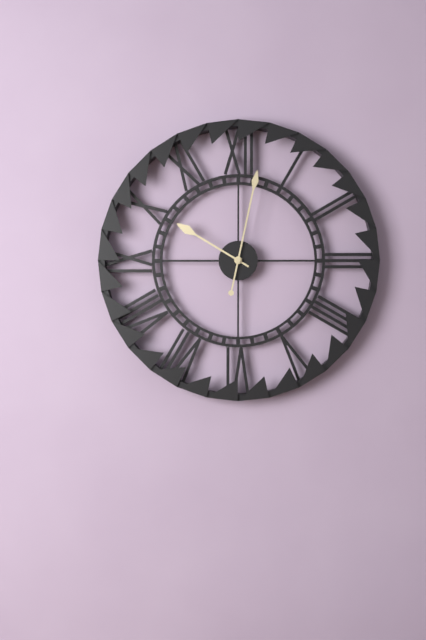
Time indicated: 10:02
